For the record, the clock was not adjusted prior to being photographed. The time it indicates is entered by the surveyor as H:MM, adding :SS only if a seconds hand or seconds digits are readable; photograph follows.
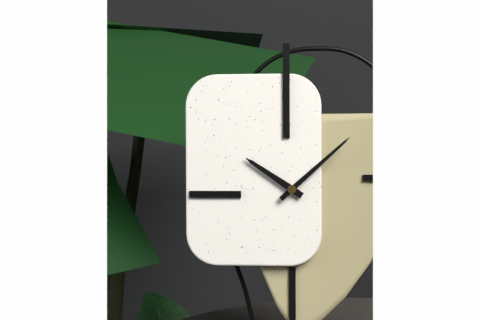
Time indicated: 10:08
